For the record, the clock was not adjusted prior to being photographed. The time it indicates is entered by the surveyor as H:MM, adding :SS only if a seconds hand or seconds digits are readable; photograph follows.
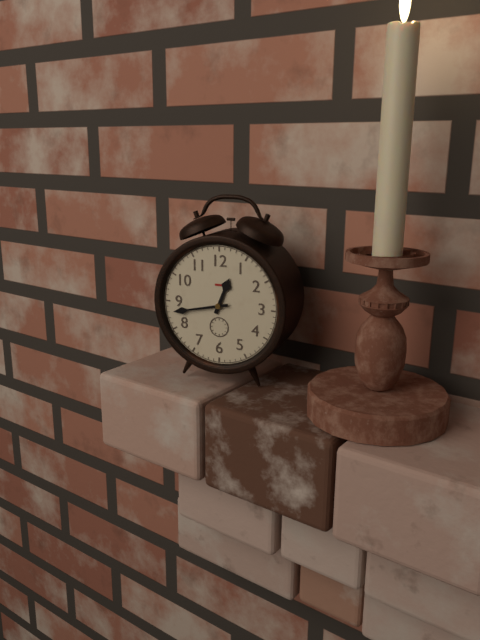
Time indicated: 12:43
